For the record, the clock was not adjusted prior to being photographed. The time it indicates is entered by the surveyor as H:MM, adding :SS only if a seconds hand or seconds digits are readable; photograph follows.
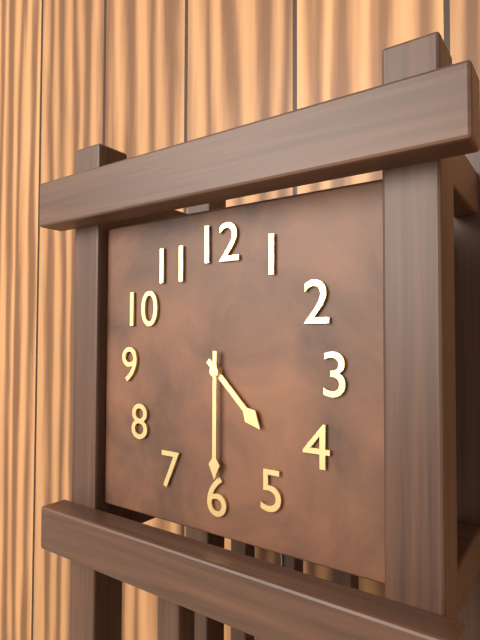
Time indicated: 4:30
